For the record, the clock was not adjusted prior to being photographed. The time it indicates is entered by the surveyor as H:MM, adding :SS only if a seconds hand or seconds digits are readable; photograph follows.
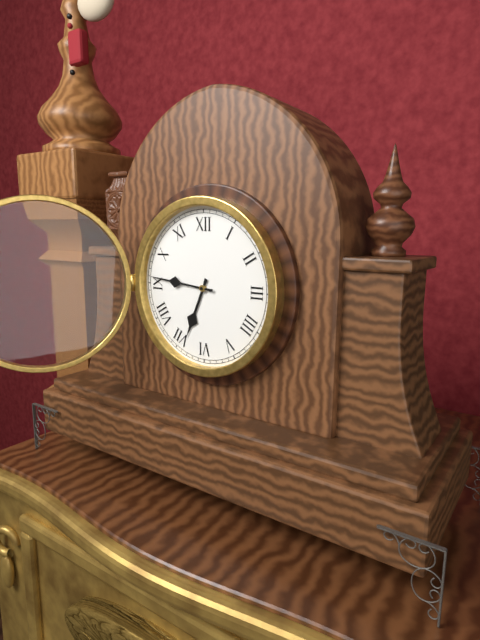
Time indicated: 6:46
